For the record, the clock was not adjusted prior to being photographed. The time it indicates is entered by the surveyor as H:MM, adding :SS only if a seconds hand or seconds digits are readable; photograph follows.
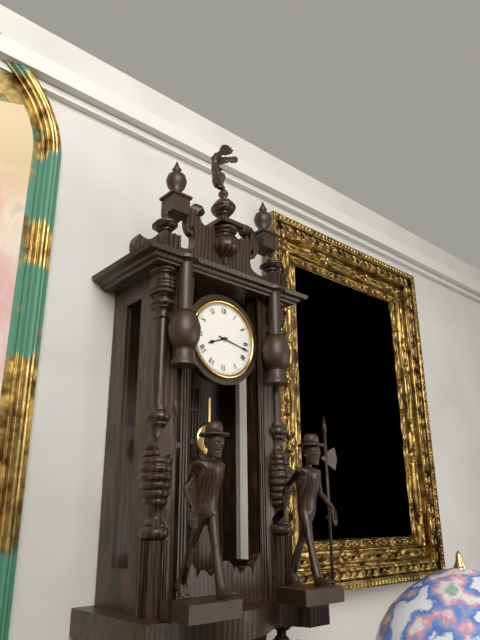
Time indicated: 8:17
